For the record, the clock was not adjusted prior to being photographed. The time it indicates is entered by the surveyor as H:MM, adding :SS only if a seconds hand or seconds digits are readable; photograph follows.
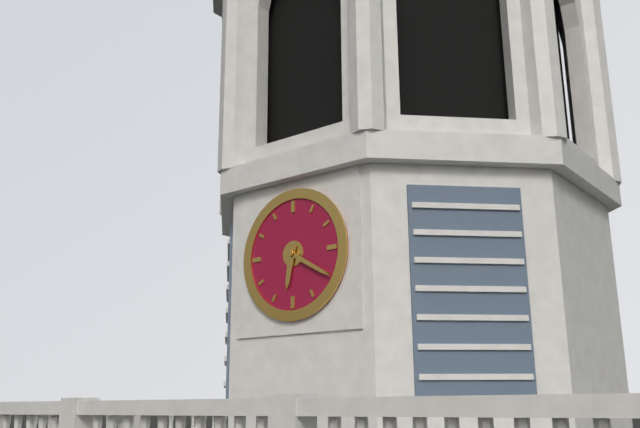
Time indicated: 6:20
